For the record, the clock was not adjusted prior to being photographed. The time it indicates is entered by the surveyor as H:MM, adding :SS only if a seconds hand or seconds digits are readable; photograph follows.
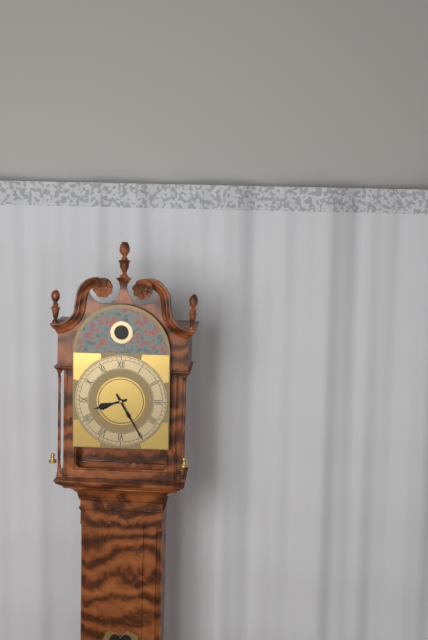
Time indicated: 8:25
